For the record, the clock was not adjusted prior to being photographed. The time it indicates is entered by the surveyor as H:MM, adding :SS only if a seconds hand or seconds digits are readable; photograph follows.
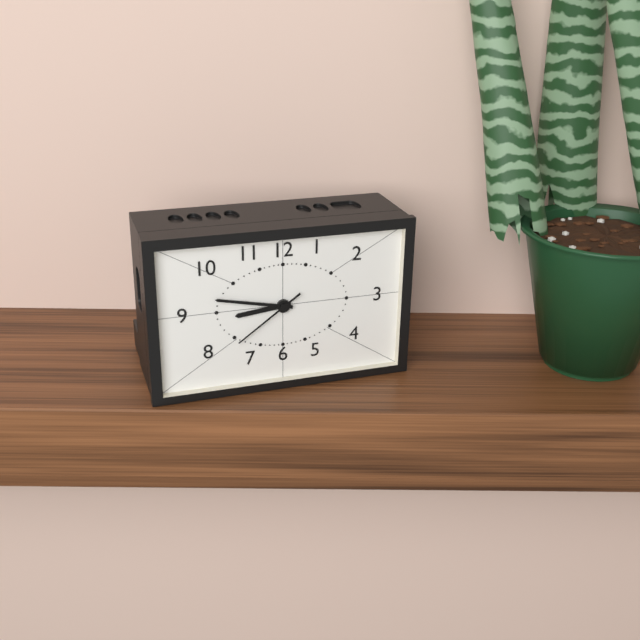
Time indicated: 8:47:39
